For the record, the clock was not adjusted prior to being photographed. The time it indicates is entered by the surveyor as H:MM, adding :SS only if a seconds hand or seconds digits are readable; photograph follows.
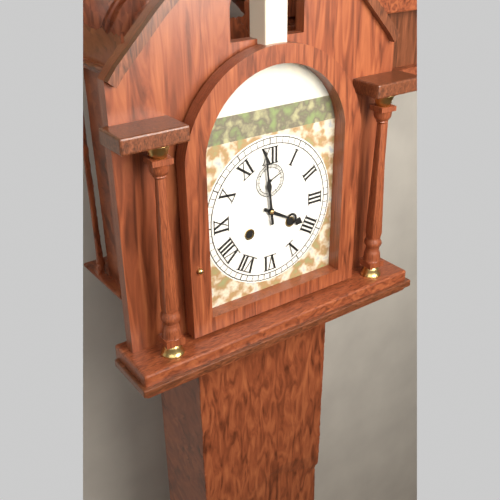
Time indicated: 3:59
